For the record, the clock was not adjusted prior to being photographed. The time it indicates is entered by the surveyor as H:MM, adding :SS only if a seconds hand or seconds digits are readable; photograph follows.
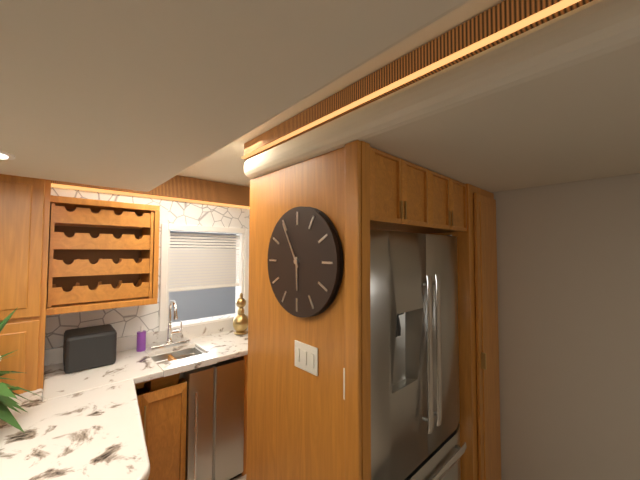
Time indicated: 5:55
